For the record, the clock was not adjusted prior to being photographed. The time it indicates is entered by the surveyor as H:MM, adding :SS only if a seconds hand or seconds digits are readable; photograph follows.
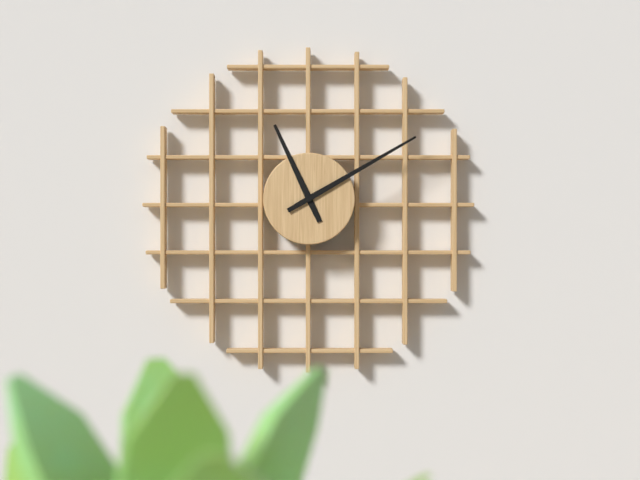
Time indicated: 11:10
